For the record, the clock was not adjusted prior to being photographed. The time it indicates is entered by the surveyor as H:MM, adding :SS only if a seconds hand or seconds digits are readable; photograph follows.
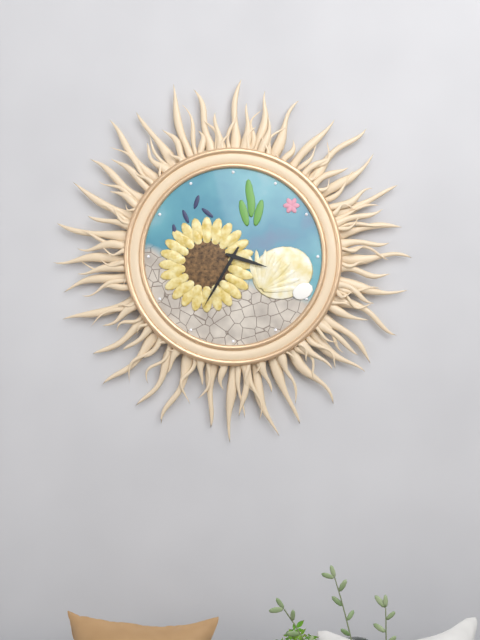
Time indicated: 3:35
